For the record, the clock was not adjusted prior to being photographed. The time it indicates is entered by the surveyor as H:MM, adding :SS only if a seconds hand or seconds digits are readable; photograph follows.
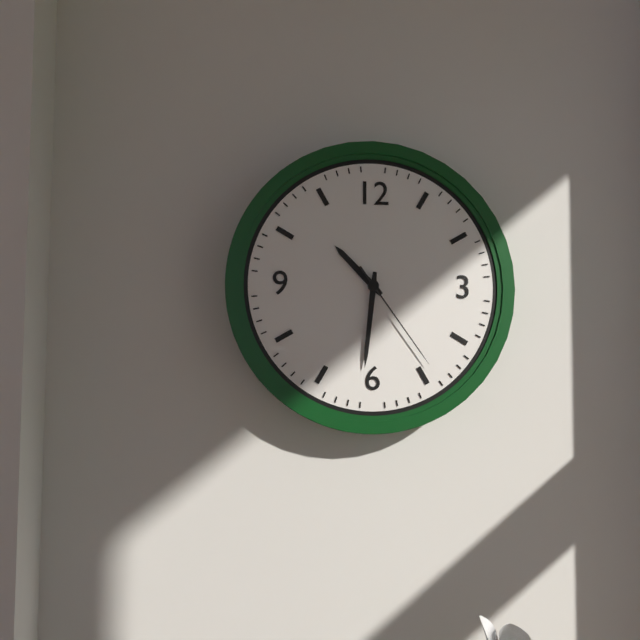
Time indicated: 10:31:24
